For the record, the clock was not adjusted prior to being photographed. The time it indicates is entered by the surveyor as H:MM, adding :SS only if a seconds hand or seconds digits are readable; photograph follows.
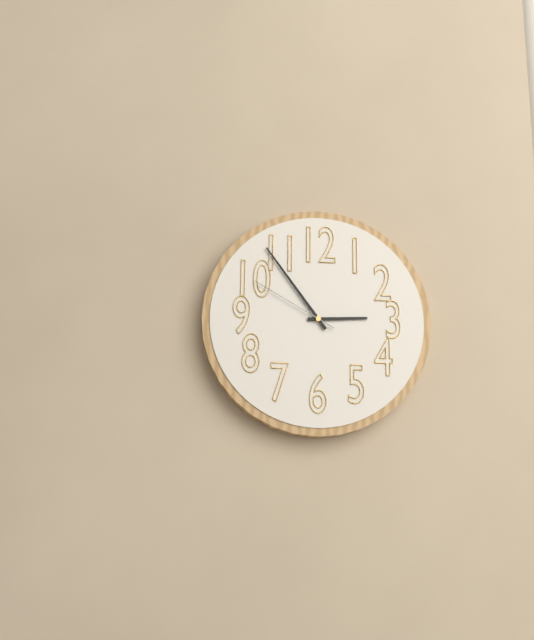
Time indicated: 2:54:50
